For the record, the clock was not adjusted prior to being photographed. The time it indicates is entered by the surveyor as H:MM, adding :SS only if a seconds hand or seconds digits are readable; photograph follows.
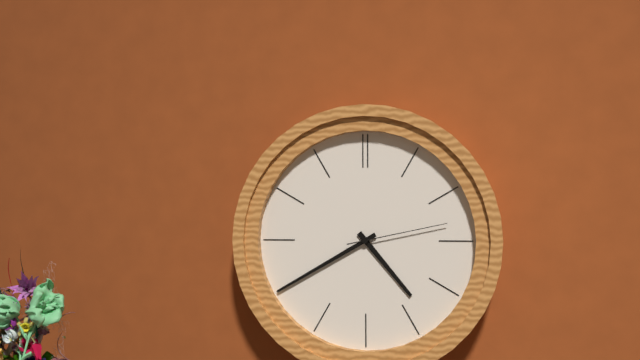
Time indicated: 4:40:13
